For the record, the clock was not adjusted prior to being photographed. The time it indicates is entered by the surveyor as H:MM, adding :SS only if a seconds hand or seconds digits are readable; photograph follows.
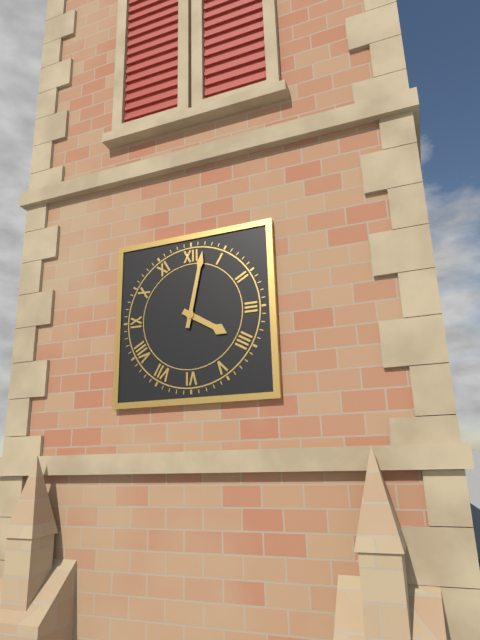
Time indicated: 4:02
